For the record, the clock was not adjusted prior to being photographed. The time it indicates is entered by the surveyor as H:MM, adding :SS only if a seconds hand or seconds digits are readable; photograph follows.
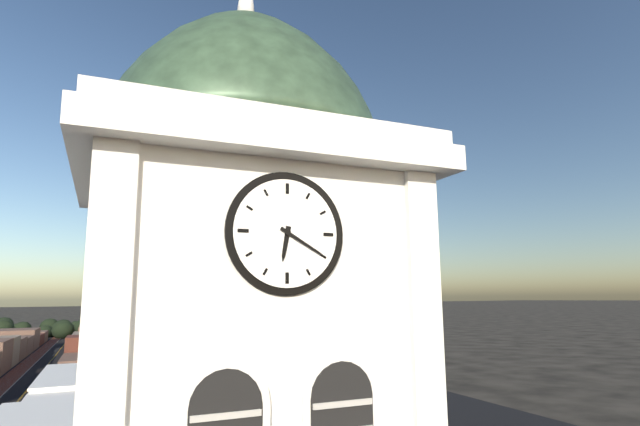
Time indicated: 6:20
